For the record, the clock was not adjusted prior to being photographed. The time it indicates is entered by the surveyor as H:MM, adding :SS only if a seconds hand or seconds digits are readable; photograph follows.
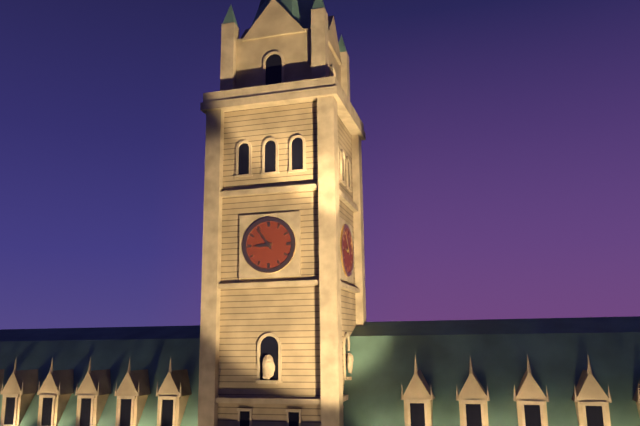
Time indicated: 8:54
